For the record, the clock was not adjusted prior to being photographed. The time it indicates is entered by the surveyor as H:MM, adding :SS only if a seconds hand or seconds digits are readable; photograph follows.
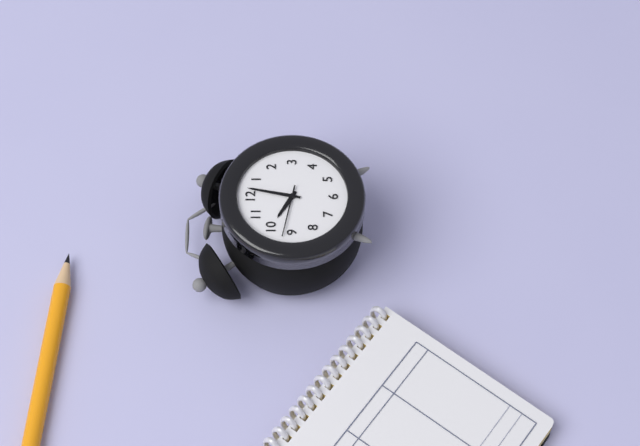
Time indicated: 10:02:47
